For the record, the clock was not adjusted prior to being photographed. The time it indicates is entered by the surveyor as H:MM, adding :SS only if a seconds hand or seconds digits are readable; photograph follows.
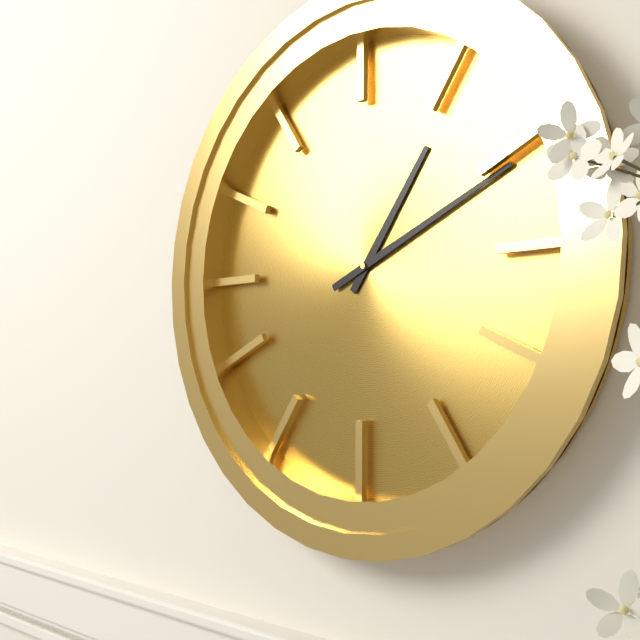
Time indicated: 1:11
